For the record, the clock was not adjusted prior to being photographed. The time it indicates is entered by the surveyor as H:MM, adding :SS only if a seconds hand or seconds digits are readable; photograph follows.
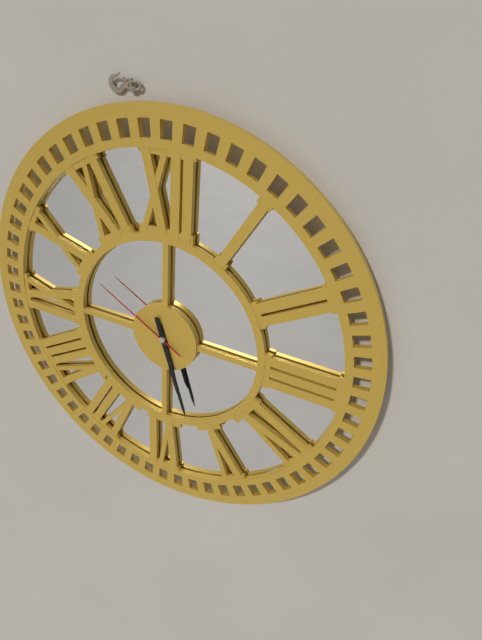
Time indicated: 5:27:50
